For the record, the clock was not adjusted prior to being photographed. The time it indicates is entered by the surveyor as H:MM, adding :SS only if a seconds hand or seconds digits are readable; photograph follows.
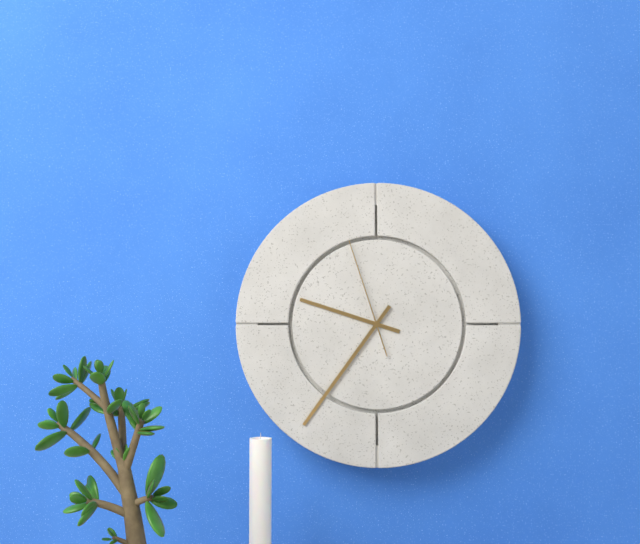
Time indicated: 9:36:57
